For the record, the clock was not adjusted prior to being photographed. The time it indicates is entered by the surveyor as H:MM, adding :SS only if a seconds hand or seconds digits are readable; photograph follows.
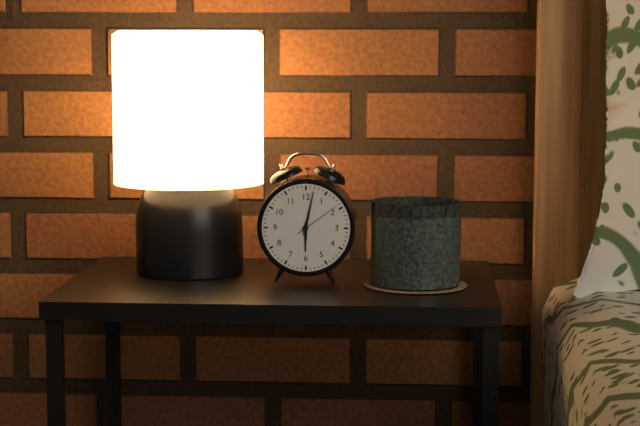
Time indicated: 6:02
